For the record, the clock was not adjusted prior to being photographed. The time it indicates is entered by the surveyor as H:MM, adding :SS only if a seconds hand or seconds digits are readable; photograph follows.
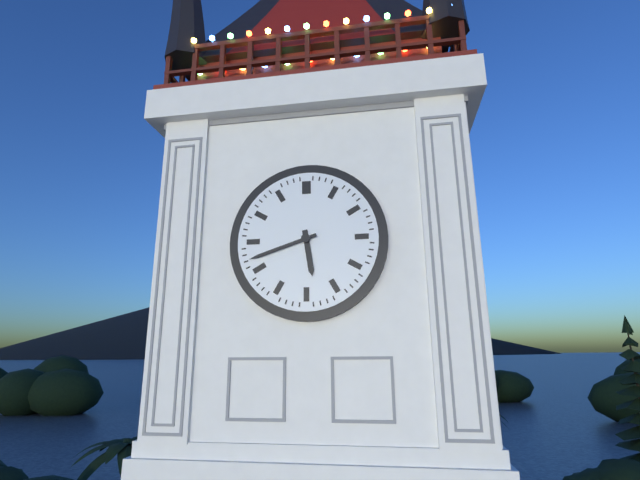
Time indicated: 5:42
